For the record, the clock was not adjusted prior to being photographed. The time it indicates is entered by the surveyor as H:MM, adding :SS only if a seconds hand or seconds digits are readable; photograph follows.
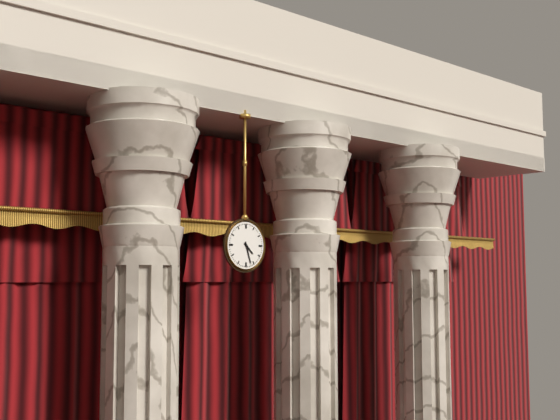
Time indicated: 4:27
